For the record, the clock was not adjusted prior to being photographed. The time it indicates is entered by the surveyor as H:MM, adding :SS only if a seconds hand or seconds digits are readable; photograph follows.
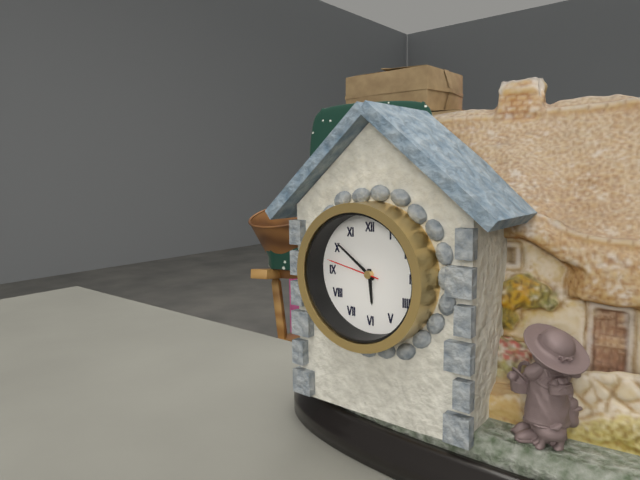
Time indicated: 5:51:47
